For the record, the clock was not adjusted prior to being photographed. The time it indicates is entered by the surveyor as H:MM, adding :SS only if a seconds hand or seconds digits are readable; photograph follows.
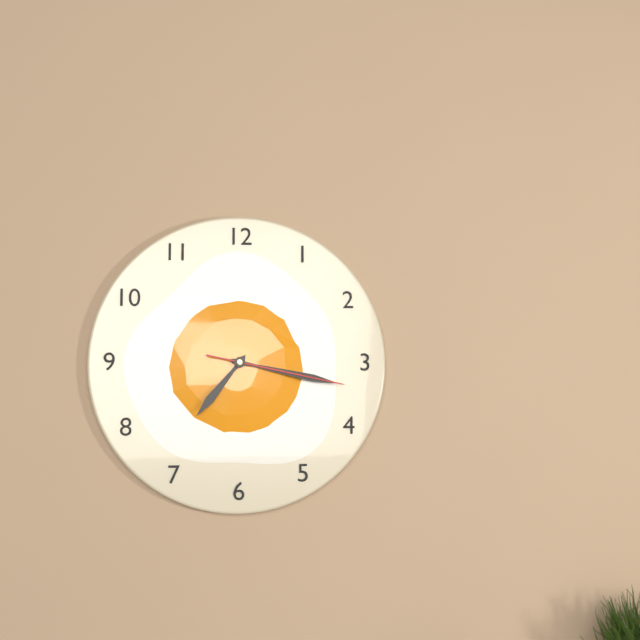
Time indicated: 7:17:17
